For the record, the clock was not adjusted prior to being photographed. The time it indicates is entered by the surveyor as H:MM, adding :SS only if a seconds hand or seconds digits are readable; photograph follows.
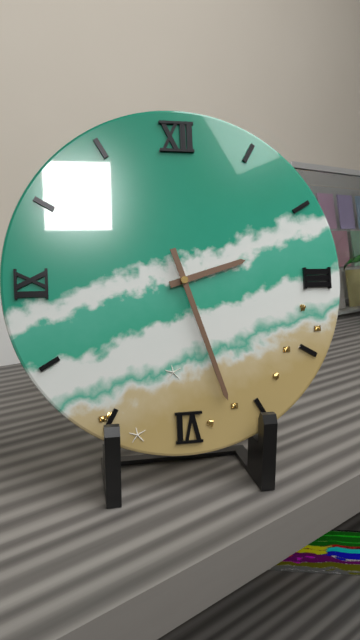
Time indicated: 2:27
